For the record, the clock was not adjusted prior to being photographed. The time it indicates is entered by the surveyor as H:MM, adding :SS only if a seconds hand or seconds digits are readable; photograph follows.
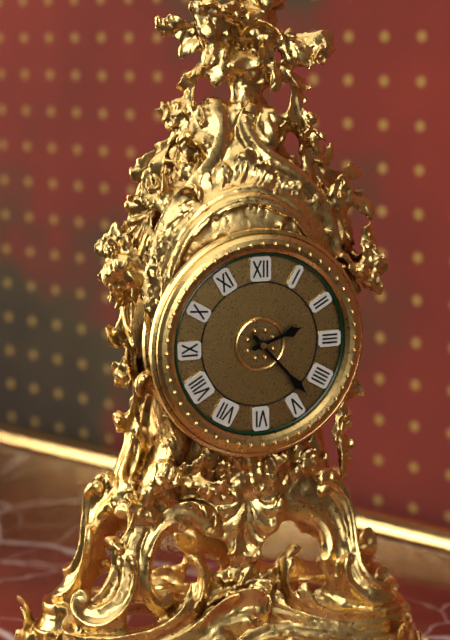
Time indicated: 2:23
